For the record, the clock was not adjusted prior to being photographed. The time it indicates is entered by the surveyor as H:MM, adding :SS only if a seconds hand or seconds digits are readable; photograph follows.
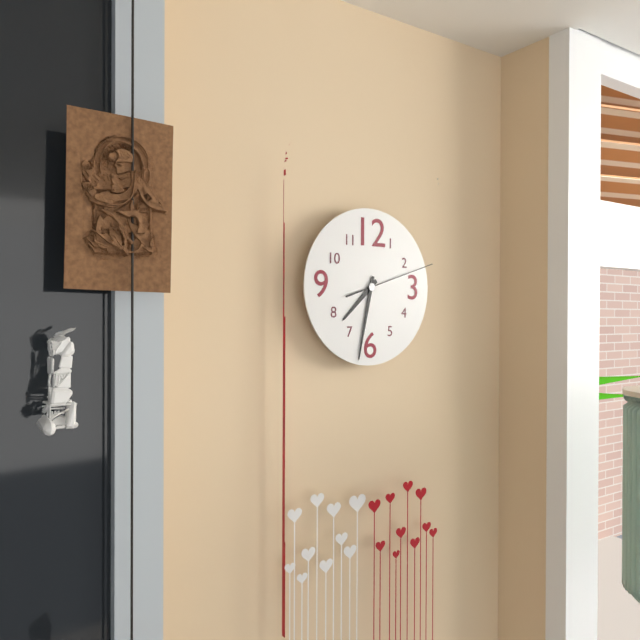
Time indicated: 7:32:12
